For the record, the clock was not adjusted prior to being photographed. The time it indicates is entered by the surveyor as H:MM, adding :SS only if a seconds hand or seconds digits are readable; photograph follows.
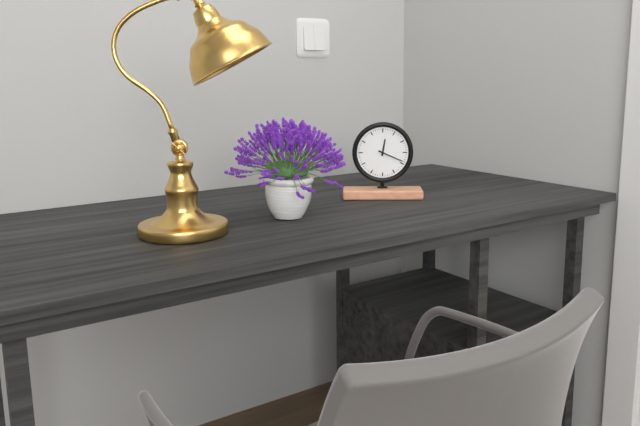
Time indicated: 12:19
